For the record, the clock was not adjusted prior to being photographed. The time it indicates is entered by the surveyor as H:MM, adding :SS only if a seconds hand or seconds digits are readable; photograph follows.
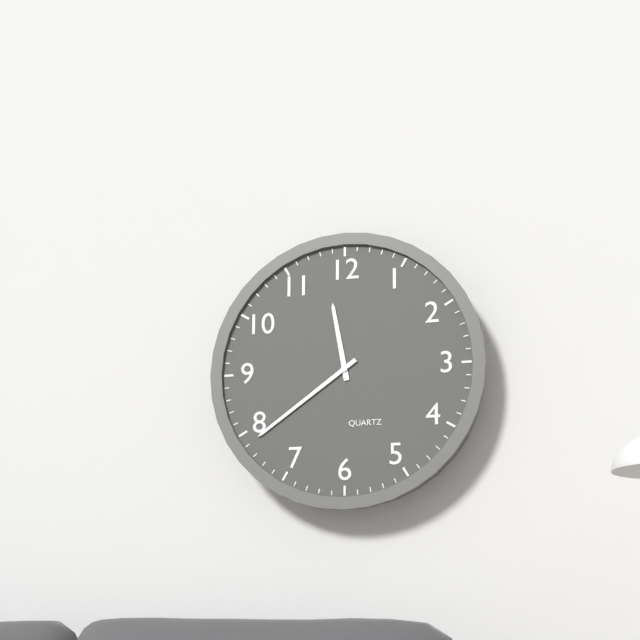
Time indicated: 11:39
